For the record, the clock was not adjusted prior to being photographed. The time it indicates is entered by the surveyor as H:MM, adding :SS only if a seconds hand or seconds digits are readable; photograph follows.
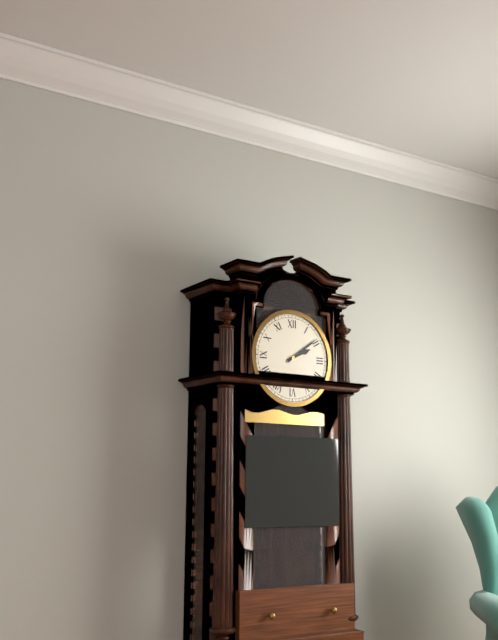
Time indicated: 2:09
